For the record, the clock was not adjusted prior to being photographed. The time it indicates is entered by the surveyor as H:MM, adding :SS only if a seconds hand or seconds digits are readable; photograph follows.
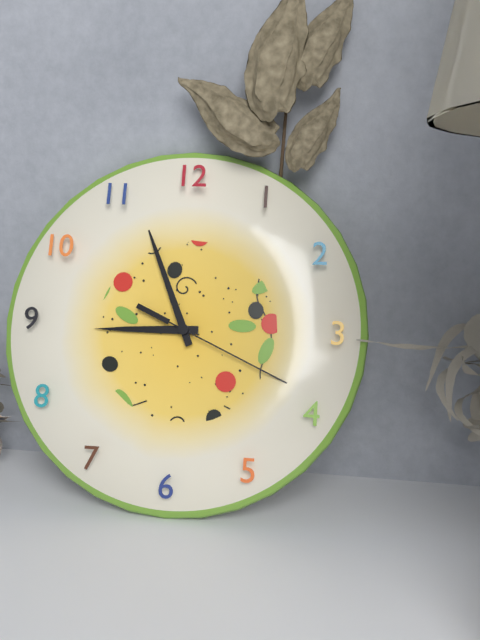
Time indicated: 8:56:19
